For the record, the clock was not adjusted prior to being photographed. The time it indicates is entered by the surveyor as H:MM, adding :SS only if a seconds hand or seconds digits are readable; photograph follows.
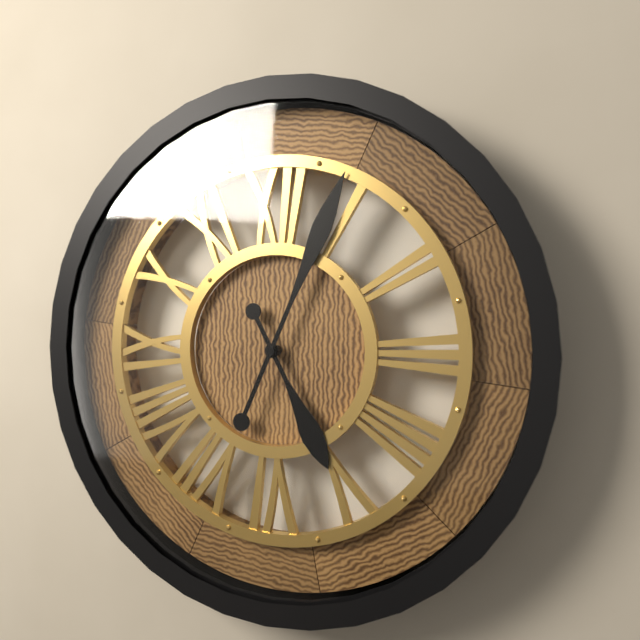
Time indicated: 5:04
